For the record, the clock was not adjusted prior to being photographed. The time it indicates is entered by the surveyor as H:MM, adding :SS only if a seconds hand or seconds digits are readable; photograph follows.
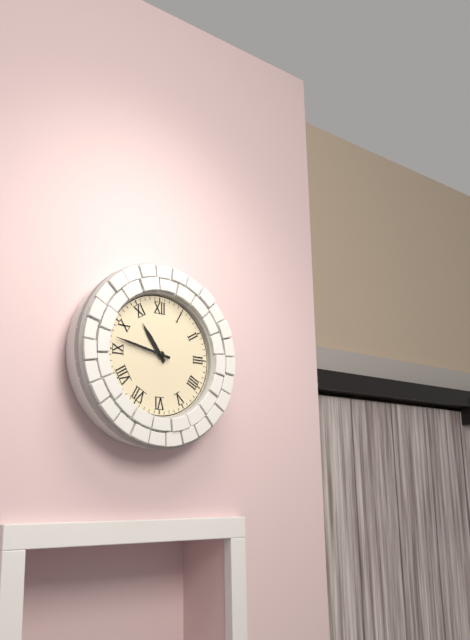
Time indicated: 10:47
